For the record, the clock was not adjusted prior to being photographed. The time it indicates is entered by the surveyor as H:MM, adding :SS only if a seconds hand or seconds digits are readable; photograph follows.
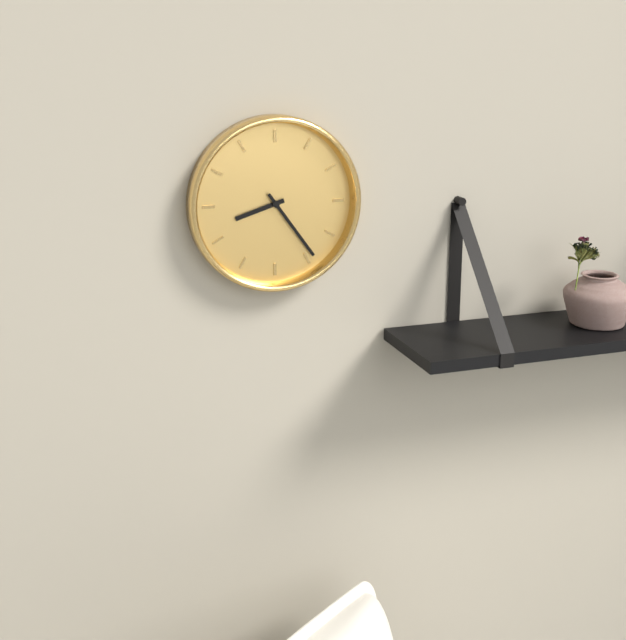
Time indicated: 8:24
